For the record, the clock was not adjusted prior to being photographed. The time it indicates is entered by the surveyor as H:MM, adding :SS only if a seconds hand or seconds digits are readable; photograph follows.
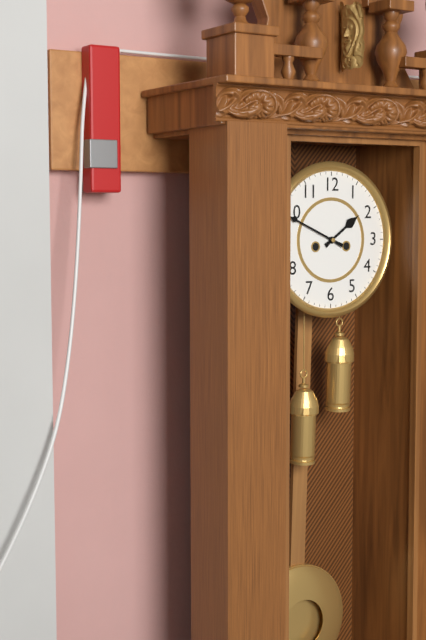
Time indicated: 1:49
